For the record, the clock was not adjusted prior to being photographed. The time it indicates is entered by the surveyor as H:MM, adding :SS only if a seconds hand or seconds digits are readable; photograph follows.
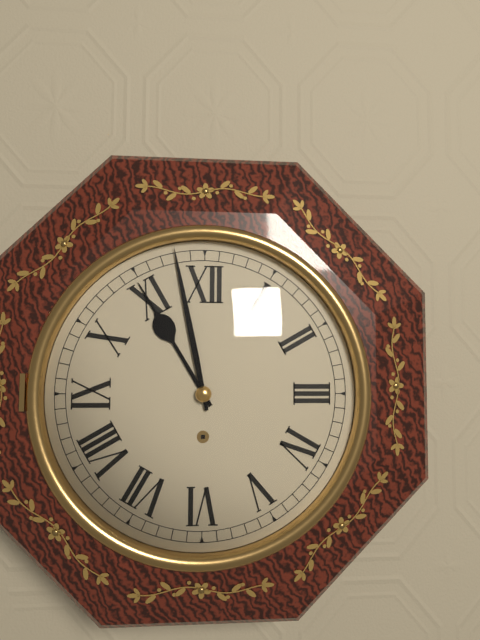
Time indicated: 10:58
